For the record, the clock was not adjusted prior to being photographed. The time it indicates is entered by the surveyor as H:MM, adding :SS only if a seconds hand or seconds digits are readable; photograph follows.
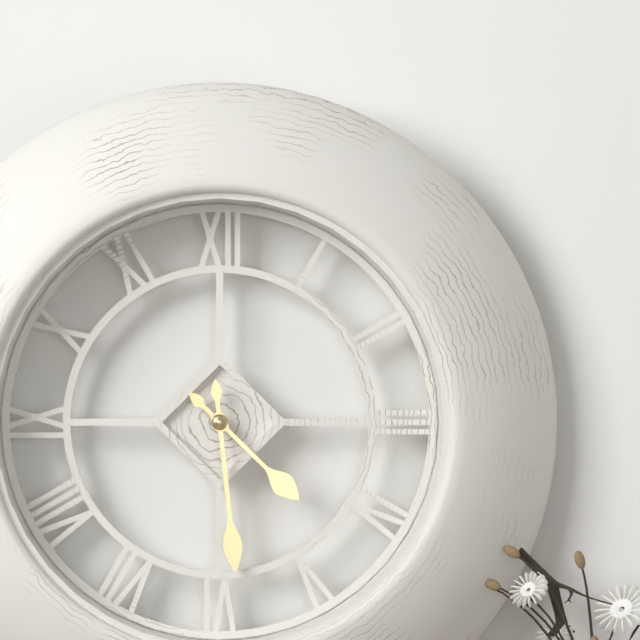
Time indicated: 4:29
